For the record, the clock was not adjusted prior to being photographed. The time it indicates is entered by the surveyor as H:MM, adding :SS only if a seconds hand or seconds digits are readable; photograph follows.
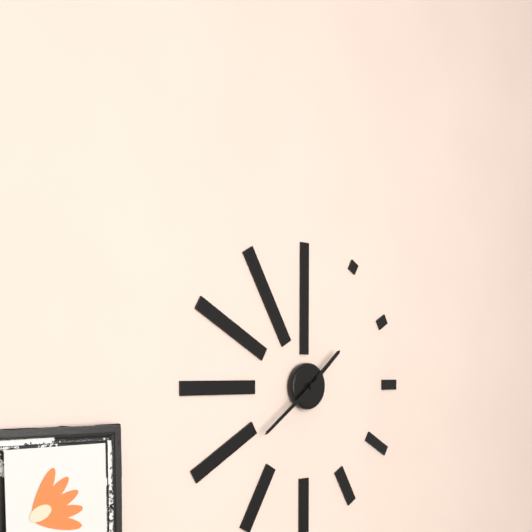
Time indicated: 1:39
